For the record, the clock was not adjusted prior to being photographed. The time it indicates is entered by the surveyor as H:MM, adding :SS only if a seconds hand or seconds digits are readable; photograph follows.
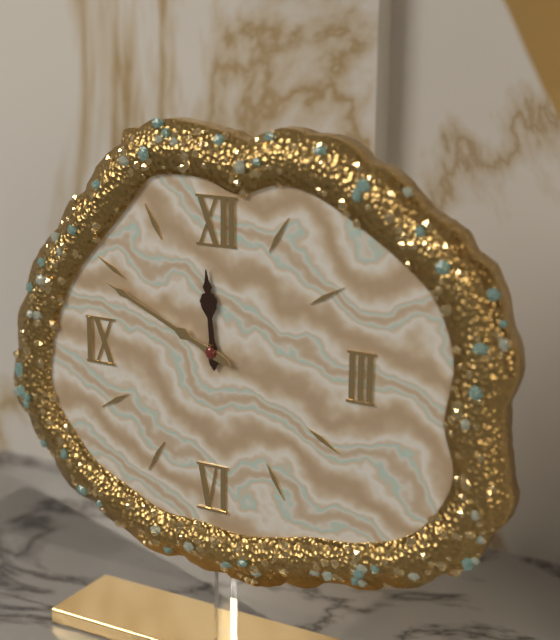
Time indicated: 11:49
